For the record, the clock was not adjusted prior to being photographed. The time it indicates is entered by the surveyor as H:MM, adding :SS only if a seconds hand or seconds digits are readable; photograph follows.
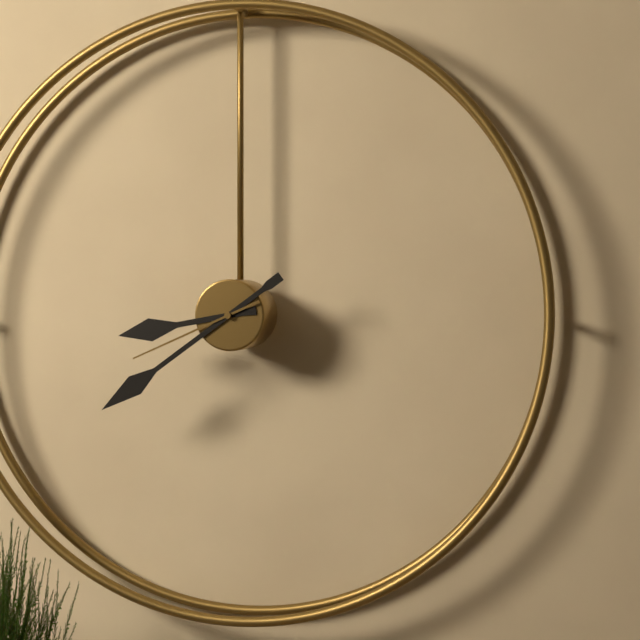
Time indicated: 8:39:41
